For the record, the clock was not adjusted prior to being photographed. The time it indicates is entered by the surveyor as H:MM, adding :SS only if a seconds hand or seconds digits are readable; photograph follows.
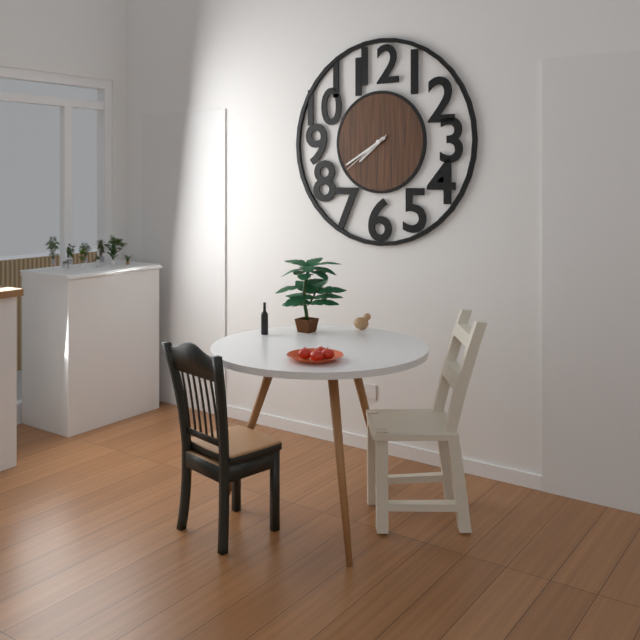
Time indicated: 7:40:39
